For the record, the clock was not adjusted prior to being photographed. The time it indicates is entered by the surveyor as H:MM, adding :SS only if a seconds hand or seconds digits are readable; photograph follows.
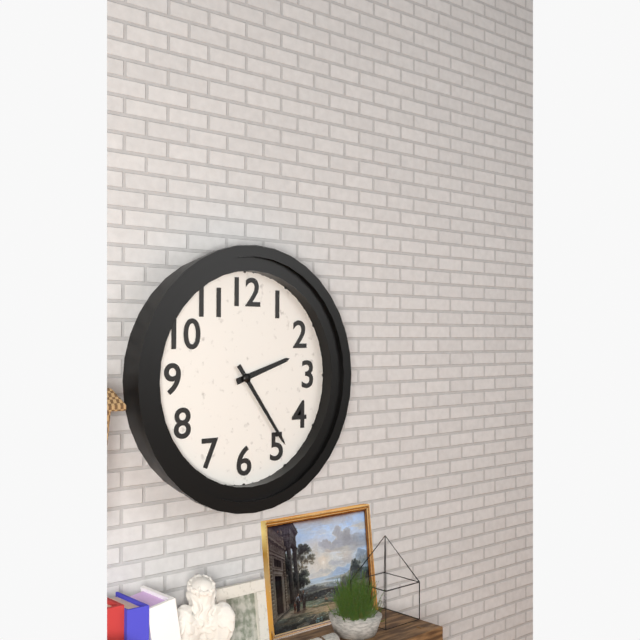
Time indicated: 2:24
